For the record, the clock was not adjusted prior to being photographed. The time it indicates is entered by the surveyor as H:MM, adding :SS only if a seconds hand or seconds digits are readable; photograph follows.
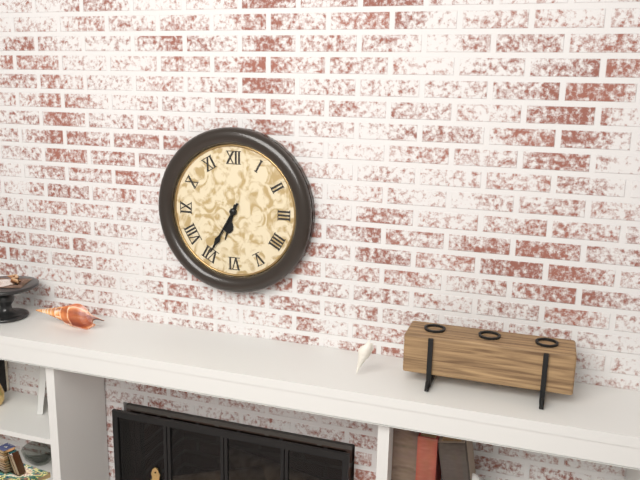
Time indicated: 6:35
